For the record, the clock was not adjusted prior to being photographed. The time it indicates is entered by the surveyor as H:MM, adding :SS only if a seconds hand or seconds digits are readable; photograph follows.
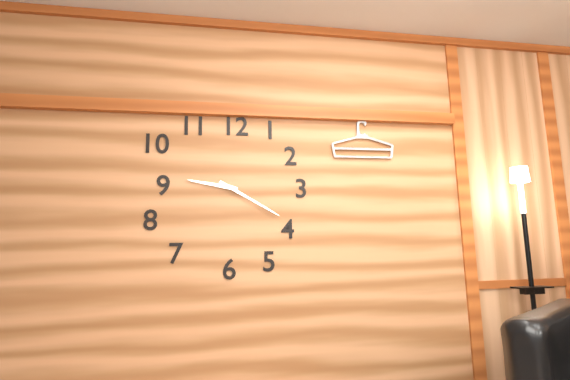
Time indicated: 9:20
